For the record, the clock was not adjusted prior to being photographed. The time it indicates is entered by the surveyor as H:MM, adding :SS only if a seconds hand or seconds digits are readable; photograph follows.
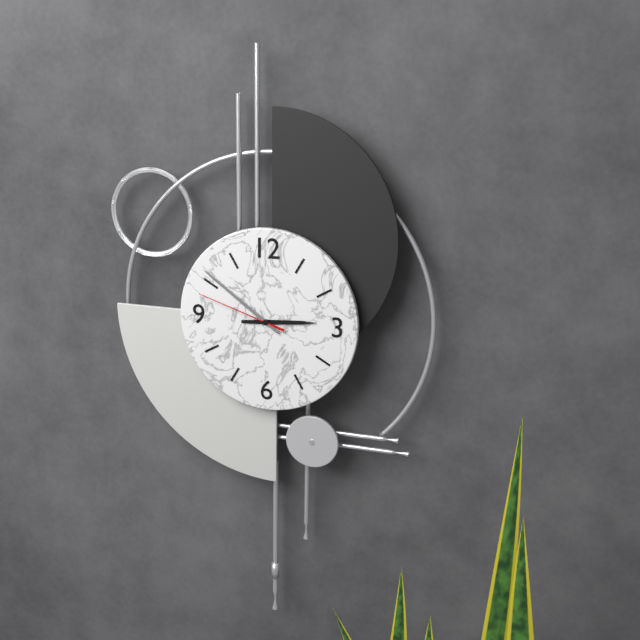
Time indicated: 2:51:48
